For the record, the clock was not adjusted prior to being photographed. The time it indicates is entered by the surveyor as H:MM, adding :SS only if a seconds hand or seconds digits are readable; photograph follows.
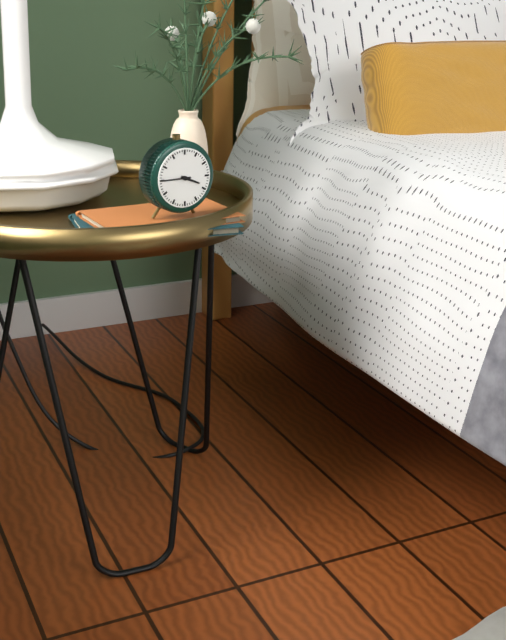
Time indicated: 3:45
